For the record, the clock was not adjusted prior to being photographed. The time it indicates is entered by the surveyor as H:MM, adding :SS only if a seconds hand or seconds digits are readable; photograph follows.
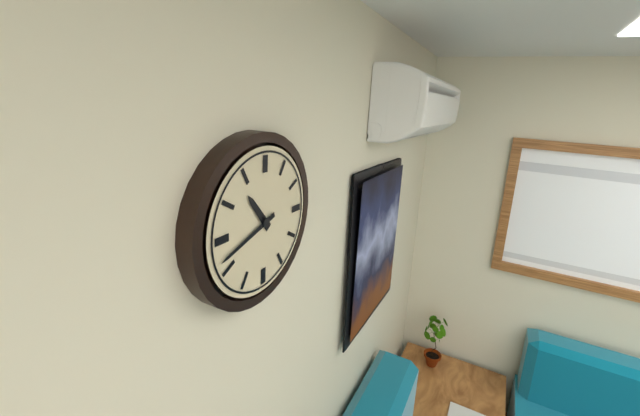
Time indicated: 10:42
